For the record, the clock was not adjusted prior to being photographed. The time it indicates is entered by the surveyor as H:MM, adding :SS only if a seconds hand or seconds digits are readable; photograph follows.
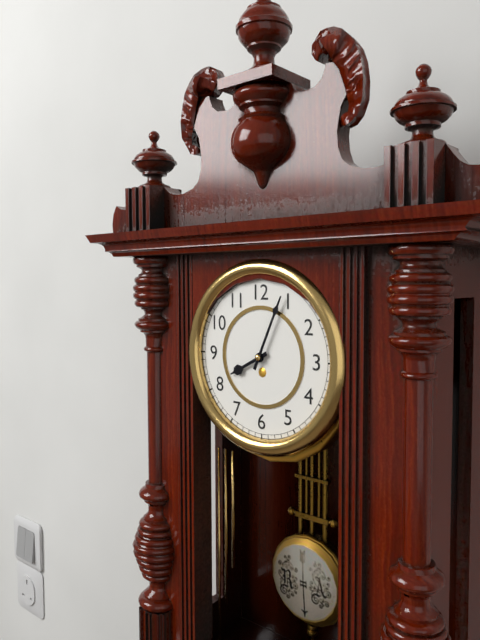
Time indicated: 8:04
